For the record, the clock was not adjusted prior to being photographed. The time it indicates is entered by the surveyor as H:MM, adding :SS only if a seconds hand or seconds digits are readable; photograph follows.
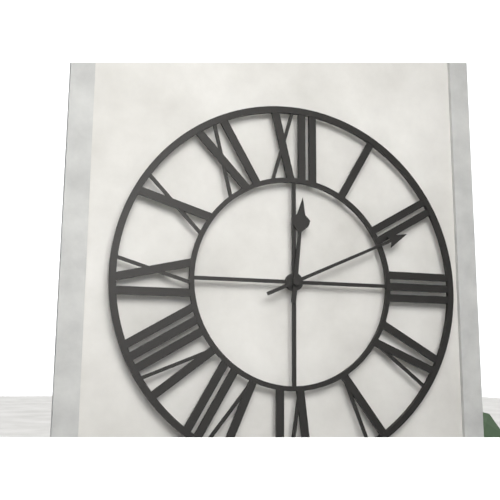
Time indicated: 12:11
